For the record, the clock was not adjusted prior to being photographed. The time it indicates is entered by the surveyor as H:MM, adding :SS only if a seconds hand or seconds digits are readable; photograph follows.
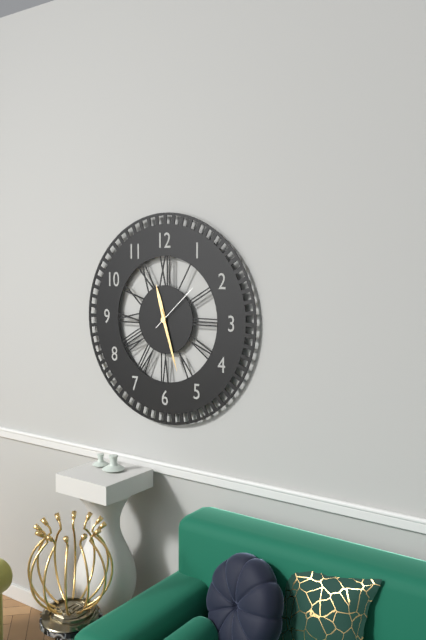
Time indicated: 11:27:08
